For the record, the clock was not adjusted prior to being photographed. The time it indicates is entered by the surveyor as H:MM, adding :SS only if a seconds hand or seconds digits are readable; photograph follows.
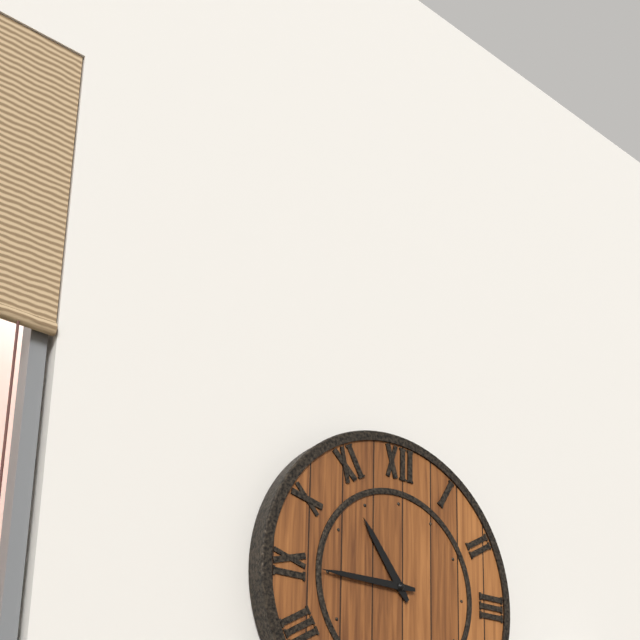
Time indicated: 10:45
